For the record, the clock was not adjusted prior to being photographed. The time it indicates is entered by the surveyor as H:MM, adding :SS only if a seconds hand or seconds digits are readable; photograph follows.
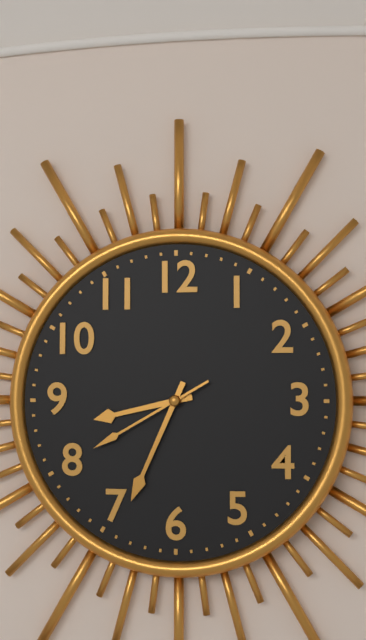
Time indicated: 8:34:40
